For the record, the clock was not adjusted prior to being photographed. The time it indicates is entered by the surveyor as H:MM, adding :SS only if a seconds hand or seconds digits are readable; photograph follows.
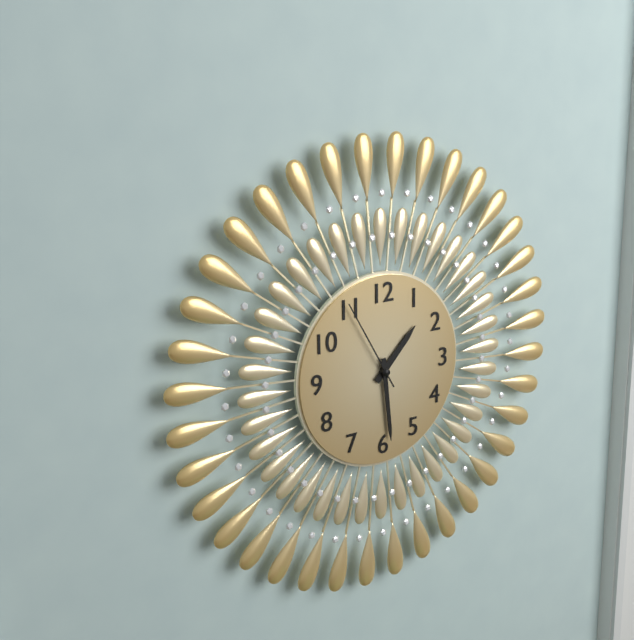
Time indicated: 1:29:55
